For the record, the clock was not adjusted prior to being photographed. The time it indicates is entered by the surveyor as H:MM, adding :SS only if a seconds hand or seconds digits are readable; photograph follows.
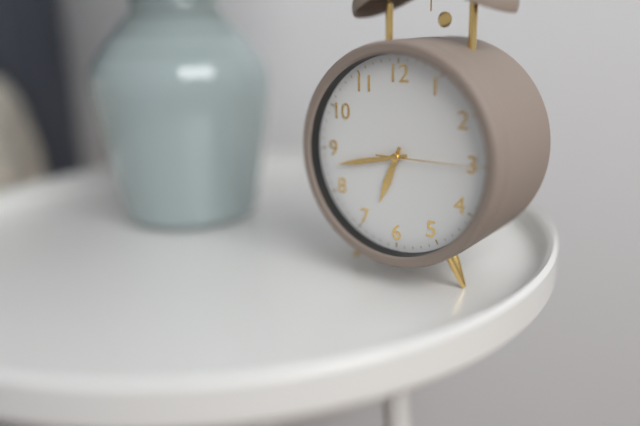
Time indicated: 6:43:15
